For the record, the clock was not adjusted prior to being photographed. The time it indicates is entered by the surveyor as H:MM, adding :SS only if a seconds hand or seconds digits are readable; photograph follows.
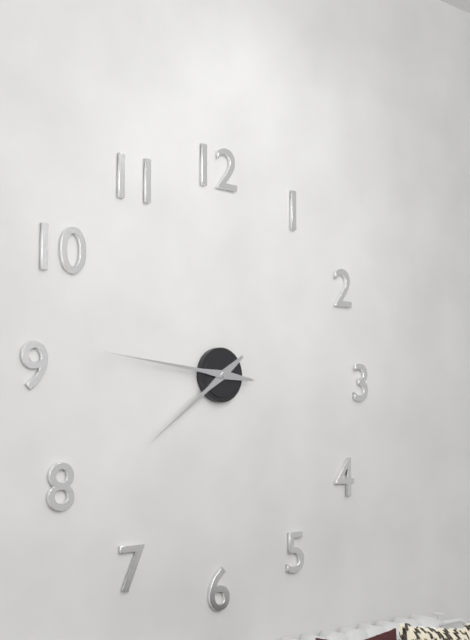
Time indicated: 7:46
